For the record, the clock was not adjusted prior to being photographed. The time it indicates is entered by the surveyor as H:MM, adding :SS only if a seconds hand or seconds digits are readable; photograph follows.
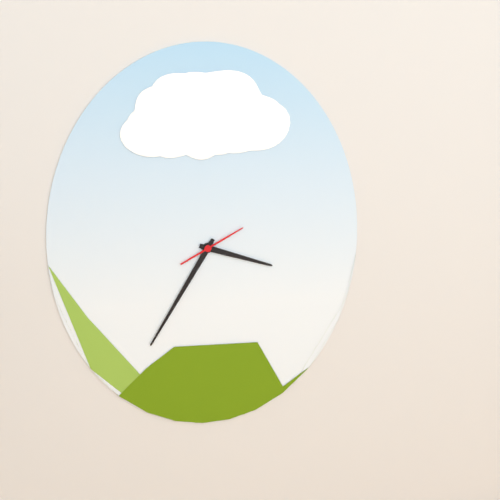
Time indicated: 3:35:10
